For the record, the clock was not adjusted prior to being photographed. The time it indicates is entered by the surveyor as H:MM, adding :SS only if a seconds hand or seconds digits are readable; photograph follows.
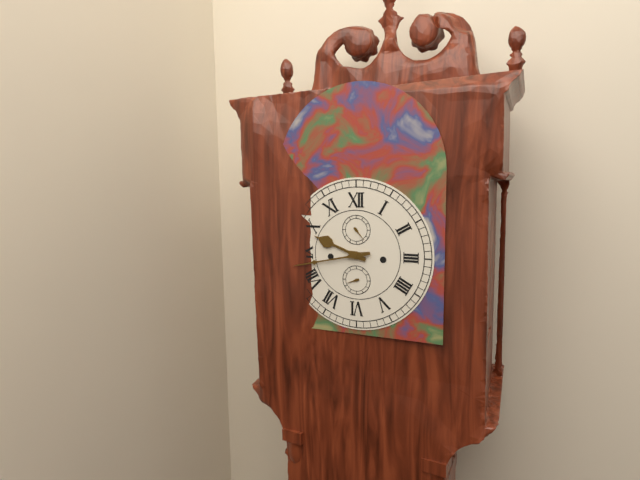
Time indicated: 9:43
